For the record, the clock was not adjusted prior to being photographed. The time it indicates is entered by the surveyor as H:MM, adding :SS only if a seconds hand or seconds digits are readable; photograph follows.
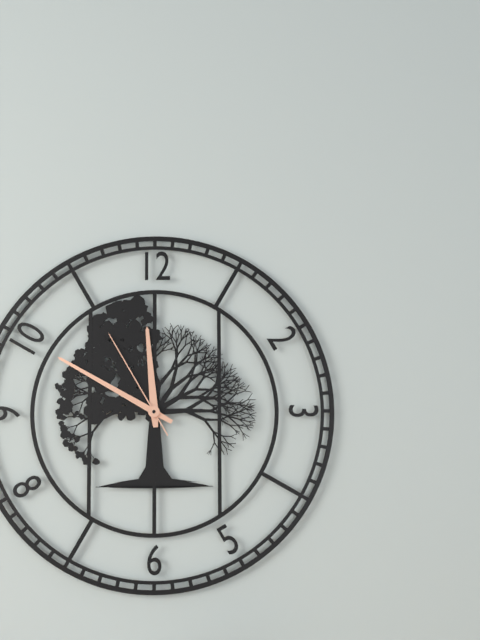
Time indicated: 11:50:55
